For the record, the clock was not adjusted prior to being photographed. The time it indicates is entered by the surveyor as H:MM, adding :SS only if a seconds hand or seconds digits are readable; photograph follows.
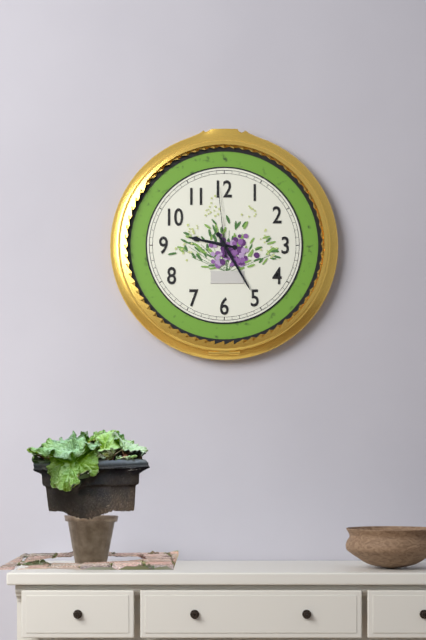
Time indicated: 9:25:59
